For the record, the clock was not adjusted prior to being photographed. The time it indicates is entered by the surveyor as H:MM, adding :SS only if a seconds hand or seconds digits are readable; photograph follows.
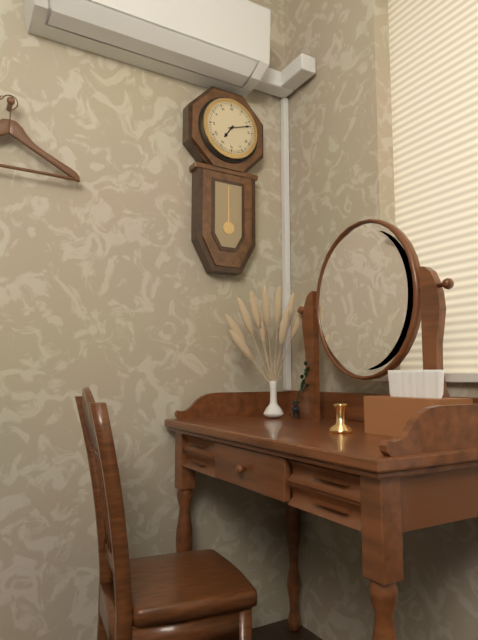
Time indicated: 7:12
